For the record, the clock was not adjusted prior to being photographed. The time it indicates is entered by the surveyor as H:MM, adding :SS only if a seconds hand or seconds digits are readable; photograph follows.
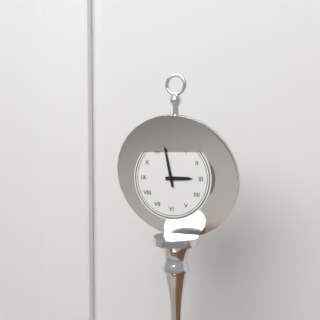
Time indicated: 2:58
